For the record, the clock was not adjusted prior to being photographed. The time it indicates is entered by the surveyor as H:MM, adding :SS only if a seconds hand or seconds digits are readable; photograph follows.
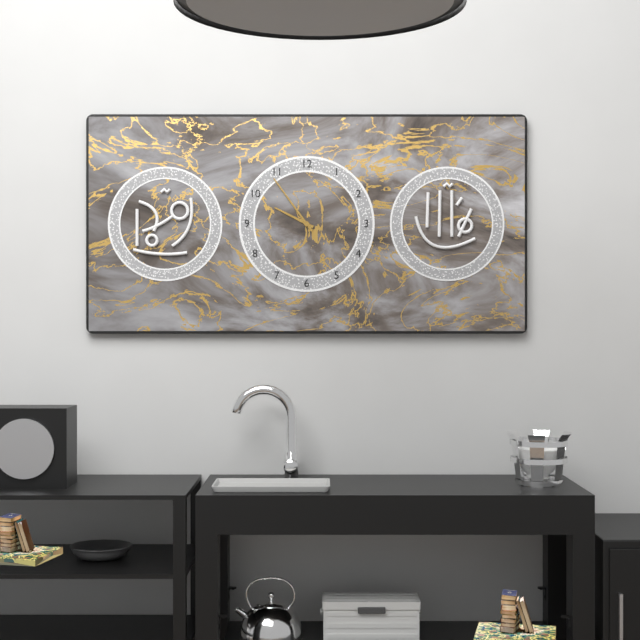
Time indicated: 9:54
